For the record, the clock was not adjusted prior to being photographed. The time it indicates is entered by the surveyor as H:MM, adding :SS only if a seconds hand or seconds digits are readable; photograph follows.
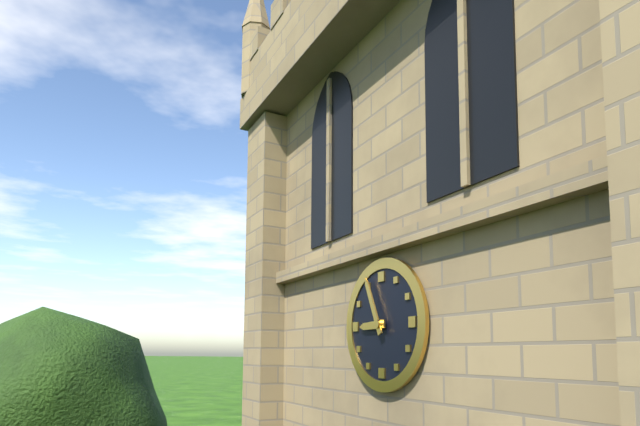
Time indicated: 8:56
